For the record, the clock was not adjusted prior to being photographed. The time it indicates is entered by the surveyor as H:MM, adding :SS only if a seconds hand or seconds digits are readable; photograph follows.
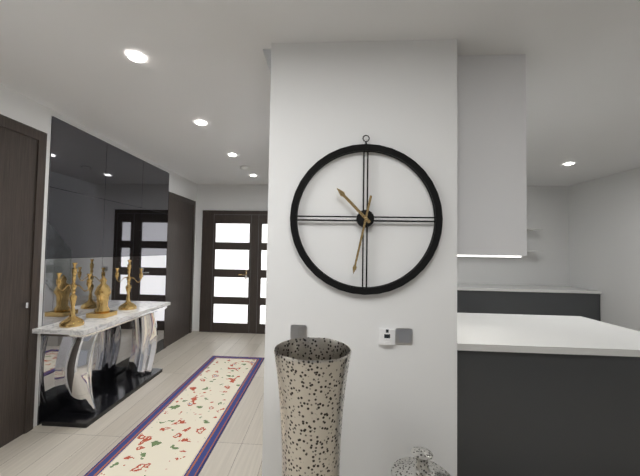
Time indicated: 10:32
